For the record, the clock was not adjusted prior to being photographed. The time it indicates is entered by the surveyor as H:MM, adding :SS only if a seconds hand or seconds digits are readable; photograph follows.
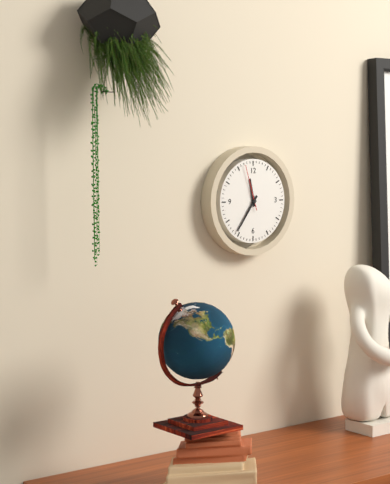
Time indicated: 11:36
